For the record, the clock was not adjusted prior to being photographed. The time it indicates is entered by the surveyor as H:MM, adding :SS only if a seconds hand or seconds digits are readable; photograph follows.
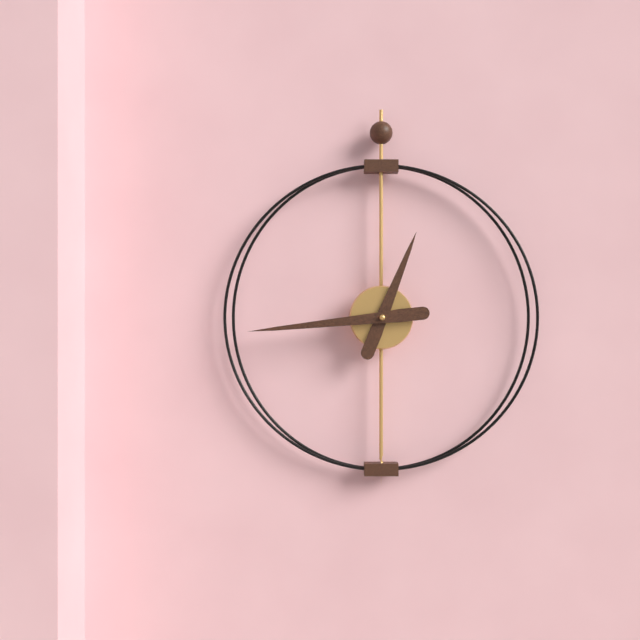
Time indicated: 12:44
